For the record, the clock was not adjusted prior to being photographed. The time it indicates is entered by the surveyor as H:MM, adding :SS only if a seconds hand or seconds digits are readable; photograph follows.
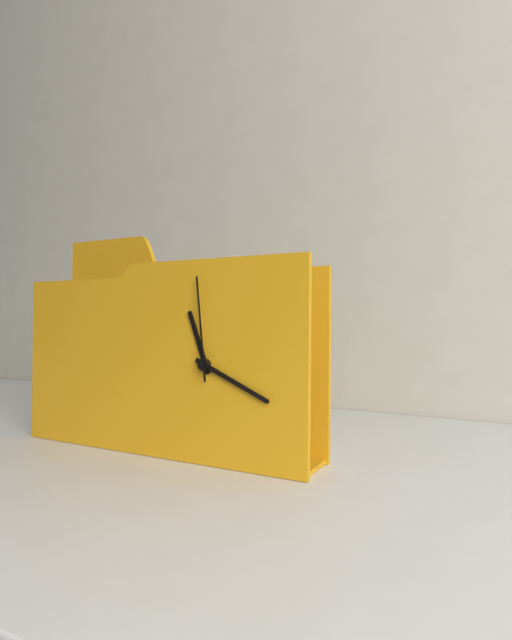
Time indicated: 11:19:59
